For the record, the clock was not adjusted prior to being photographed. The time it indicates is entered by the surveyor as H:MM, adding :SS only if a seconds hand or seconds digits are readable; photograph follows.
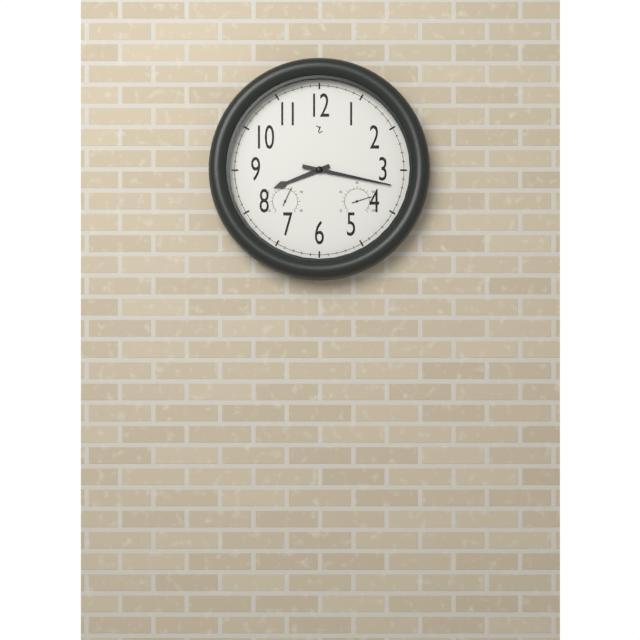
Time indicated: 8:17
